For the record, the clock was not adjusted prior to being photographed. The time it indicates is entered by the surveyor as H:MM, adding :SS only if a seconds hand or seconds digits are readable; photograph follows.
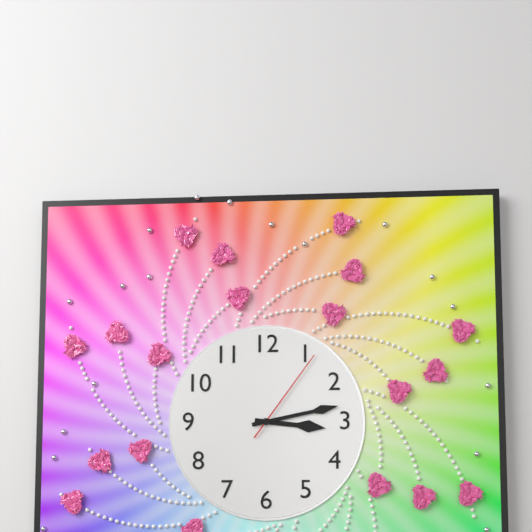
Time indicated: 3:13:06
